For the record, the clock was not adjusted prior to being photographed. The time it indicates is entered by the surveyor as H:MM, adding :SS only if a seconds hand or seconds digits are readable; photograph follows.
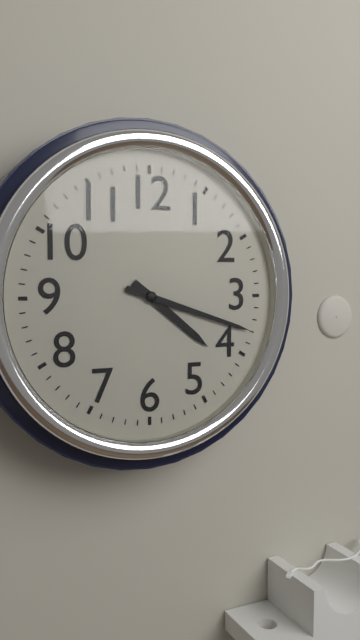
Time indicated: 4:18
